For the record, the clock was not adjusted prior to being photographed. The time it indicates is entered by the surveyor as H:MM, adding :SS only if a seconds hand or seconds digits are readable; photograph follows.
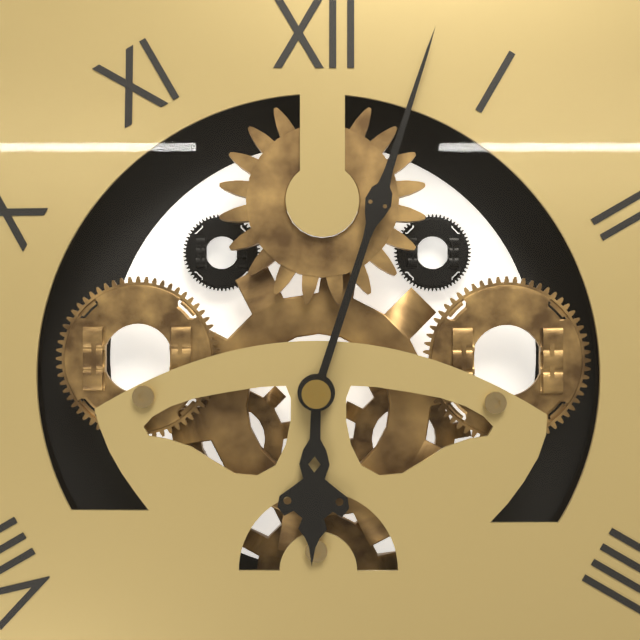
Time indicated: 6:03
